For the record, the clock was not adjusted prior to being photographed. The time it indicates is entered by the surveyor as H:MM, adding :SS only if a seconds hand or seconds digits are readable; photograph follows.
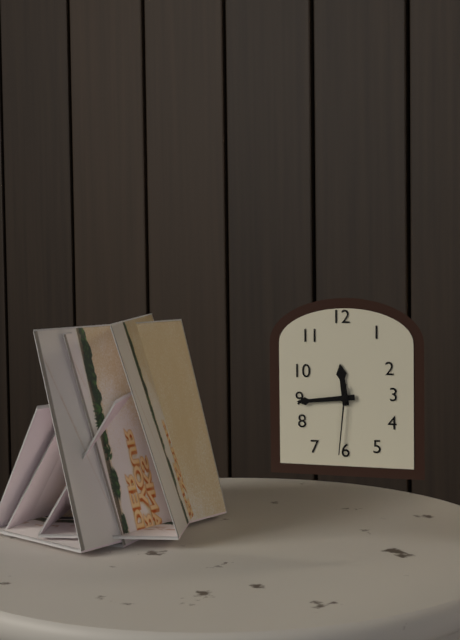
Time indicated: 11:44:31
